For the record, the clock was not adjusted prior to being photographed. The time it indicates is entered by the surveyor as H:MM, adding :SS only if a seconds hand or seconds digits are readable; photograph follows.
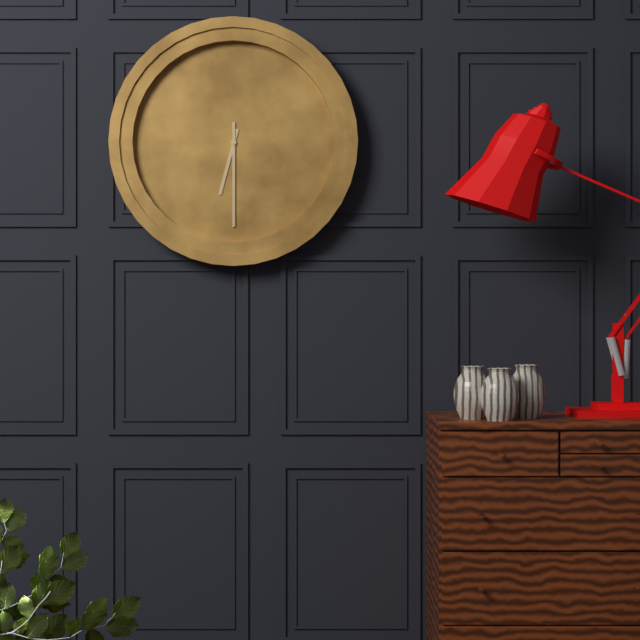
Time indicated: 6:30
